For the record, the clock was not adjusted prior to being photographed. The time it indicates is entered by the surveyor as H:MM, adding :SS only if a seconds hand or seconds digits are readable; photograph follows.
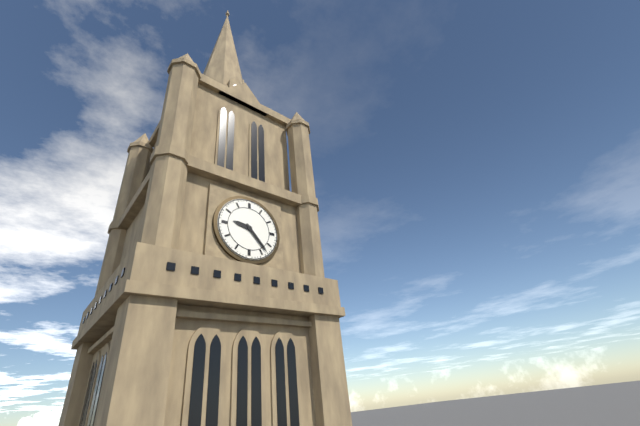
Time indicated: 9:23
